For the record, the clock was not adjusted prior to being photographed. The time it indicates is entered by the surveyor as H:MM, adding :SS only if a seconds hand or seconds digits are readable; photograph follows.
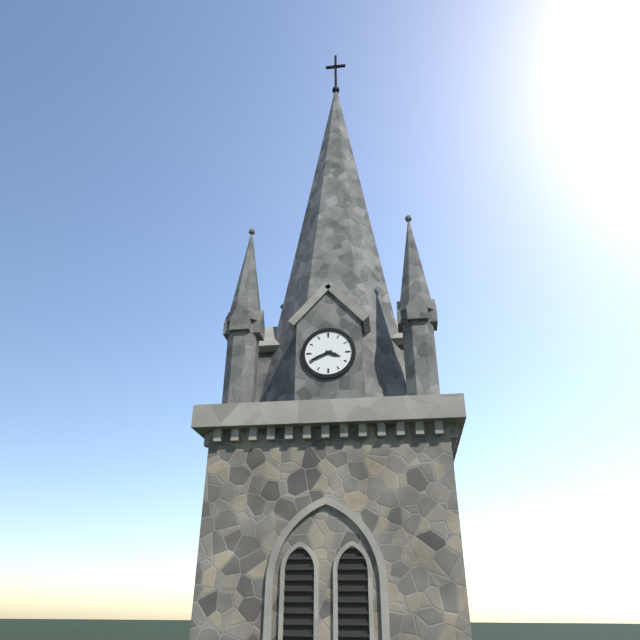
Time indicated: 3:41
